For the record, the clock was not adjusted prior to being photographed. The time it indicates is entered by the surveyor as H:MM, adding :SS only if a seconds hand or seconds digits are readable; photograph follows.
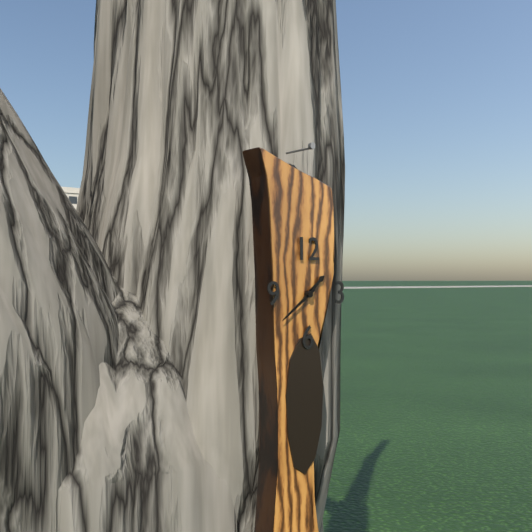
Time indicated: 1:39
